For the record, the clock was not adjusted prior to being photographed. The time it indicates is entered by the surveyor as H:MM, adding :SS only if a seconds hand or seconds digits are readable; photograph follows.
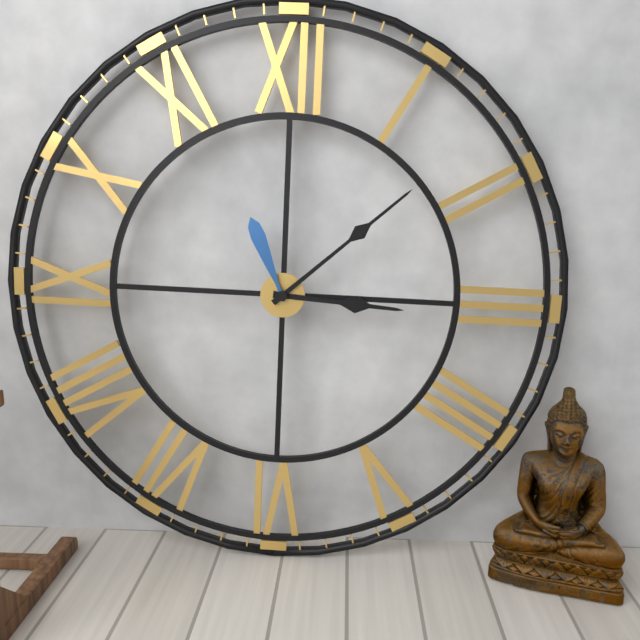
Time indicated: 3:08:56
